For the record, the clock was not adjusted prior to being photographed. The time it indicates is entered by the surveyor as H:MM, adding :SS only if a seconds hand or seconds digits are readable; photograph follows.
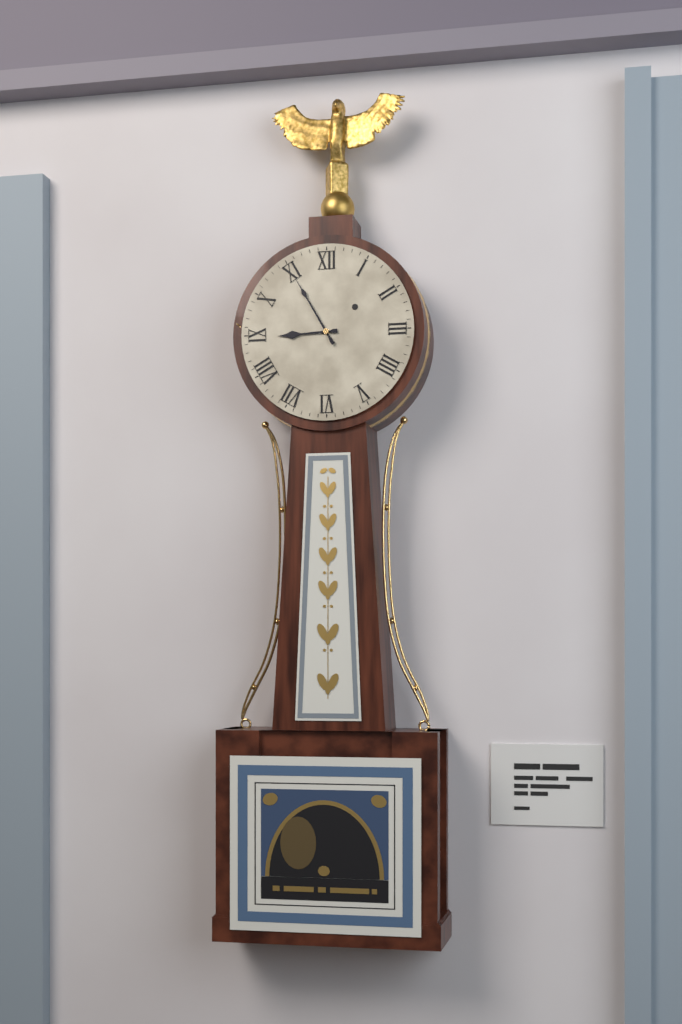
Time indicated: 8:55
